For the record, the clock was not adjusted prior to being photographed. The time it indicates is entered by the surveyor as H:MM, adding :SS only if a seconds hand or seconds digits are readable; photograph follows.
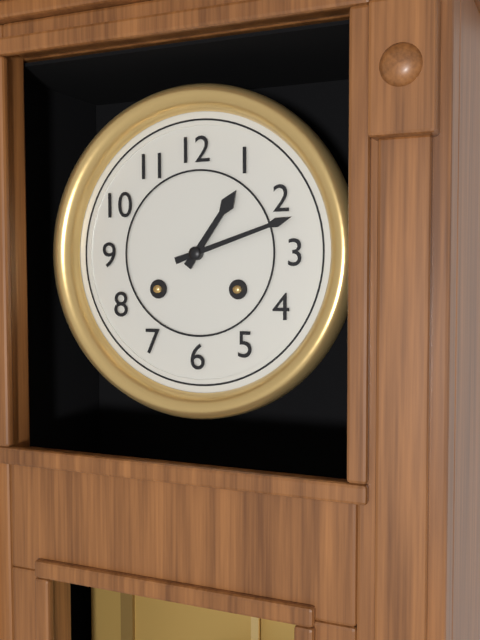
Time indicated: 1:12
